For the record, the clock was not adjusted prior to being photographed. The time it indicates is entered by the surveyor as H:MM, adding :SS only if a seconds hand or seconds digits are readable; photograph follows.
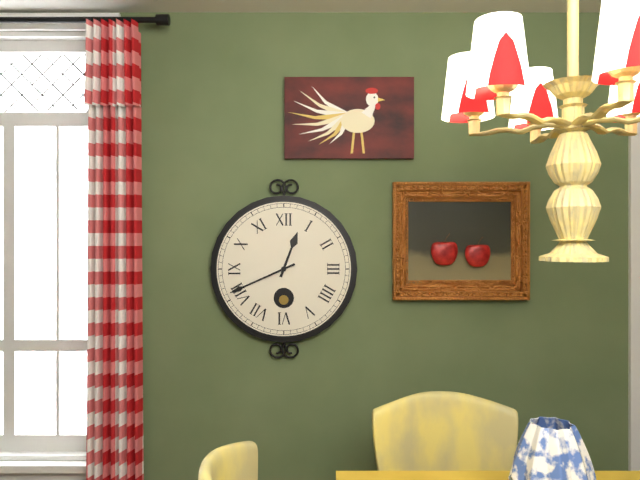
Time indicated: 12:41
